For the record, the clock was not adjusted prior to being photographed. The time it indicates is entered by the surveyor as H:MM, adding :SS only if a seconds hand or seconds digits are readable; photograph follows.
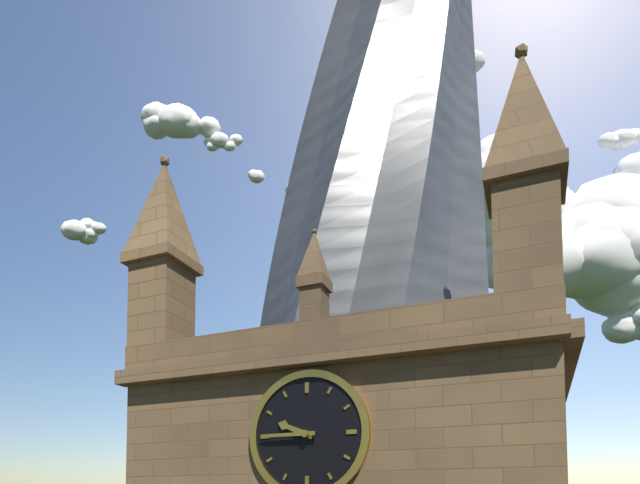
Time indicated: 9:45
